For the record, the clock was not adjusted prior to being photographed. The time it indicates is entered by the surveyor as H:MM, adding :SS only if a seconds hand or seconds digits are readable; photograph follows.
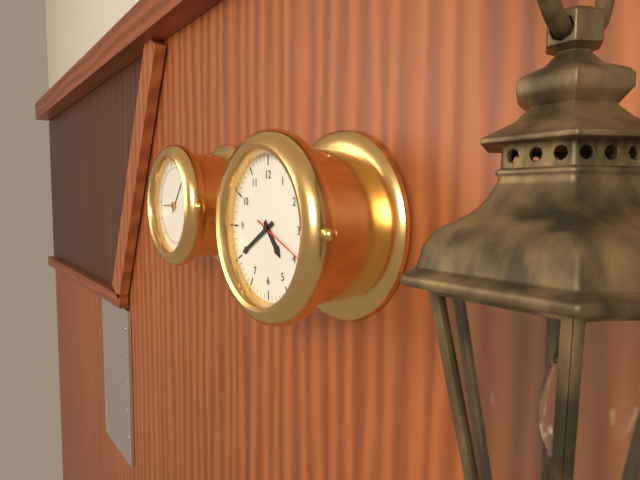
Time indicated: 4:40:19
